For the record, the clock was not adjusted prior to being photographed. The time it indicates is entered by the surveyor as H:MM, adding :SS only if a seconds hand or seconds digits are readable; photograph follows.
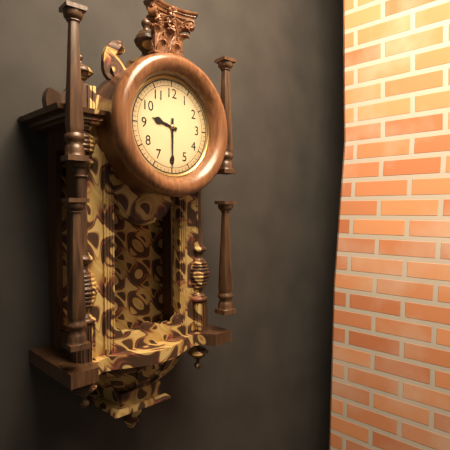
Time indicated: 9:30
